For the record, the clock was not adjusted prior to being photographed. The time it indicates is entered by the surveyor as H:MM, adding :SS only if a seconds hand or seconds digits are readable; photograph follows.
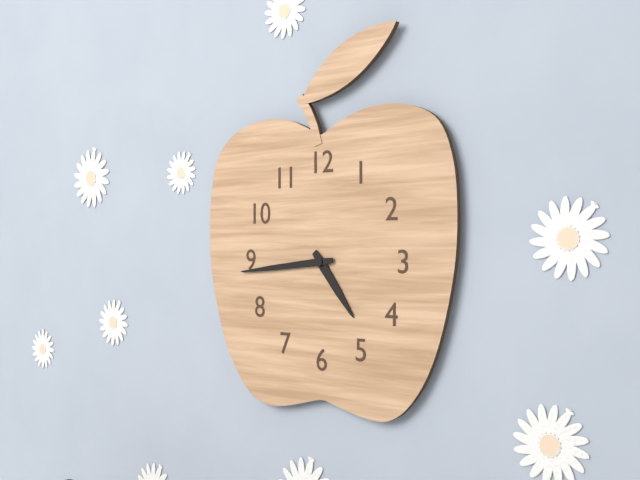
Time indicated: 4:44
